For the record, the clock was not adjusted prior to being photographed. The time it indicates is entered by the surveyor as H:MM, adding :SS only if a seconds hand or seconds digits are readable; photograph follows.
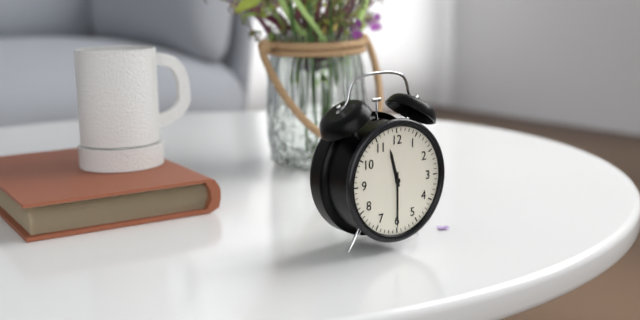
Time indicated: 11:30
